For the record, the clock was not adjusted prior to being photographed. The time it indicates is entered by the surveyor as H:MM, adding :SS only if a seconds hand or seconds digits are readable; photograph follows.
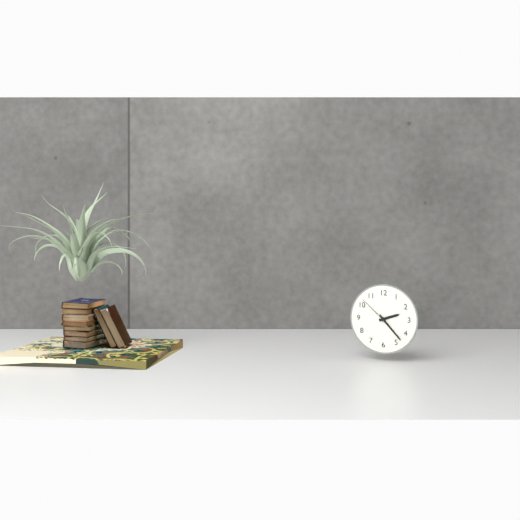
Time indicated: 2:23
